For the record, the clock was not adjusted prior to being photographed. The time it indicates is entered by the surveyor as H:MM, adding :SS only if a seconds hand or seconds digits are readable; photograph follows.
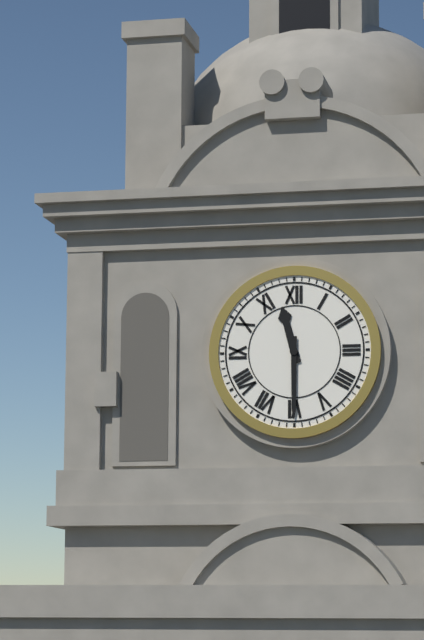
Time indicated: 11:30
